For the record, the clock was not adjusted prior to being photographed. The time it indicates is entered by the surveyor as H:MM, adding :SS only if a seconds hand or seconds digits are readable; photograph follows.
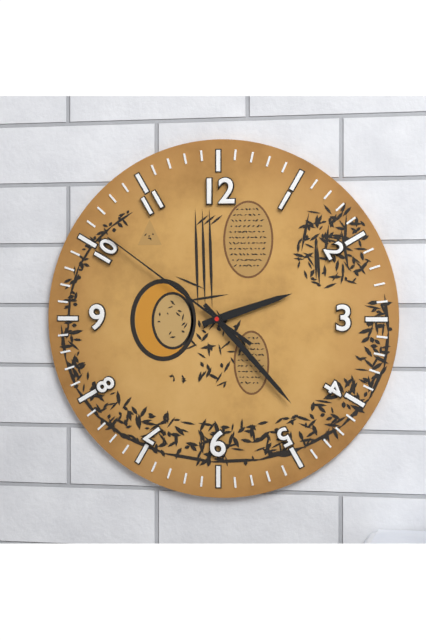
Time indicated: 2:23:51
